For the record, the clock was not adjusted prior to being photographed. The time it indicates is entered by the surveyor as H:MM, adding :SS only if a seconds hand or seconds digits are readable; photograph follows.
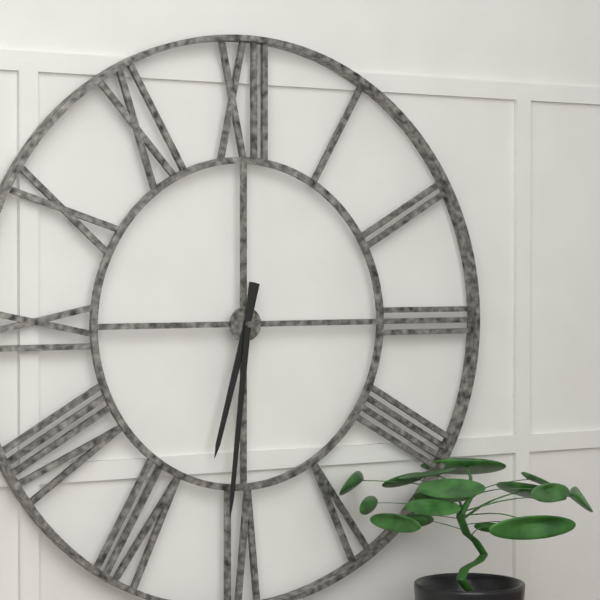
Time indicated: 6:31
